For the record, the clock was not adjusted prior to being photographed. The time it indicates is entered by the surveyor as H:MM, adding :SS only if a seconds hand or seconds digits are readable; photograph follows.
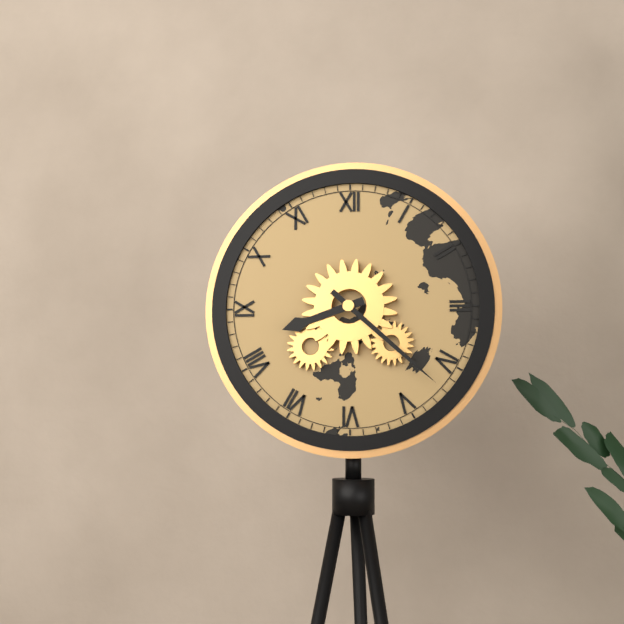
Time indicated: 8:22
